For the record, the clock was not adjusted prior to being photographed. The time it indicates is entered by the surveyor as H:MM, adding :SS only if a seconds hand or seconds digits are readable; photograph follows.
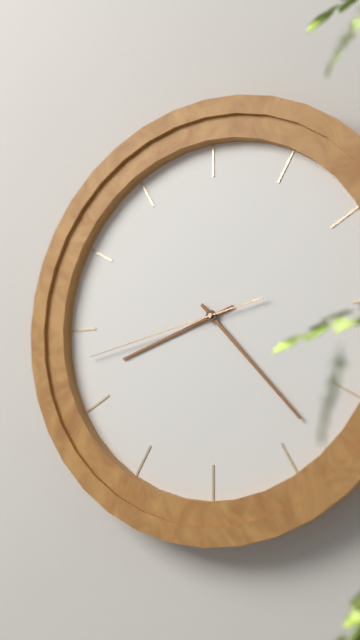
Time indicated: 8:23:43
